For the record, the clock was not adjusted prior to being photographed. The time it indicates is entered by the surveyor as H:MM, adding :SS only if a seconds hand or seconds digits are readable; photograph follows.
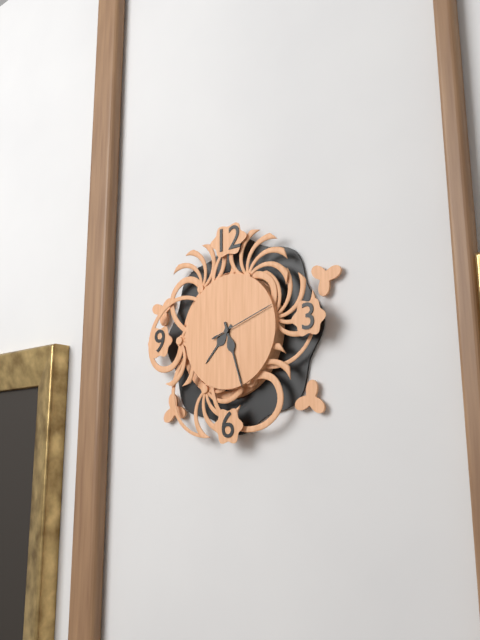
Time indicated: 7:27:12
